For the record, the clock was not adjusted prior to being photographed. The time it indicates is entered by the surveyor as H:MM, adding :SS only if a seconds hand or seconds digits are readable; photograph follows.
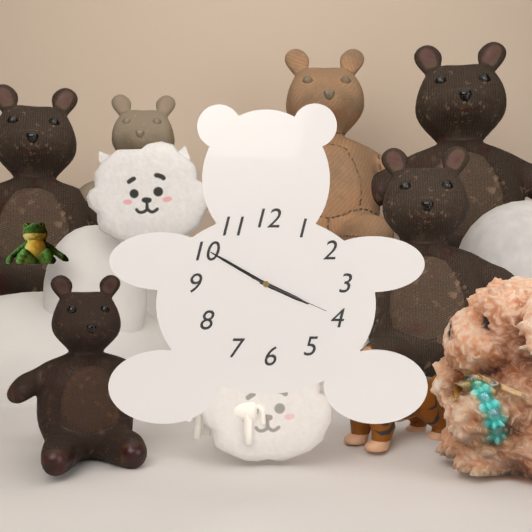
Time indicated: 3:50:19
